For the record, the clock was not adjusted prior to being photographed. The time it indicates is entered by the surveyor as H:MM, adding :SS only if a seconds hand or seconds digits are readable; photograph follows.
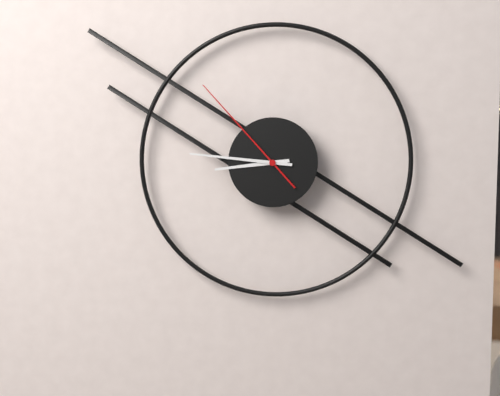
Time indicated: 8:46:53
